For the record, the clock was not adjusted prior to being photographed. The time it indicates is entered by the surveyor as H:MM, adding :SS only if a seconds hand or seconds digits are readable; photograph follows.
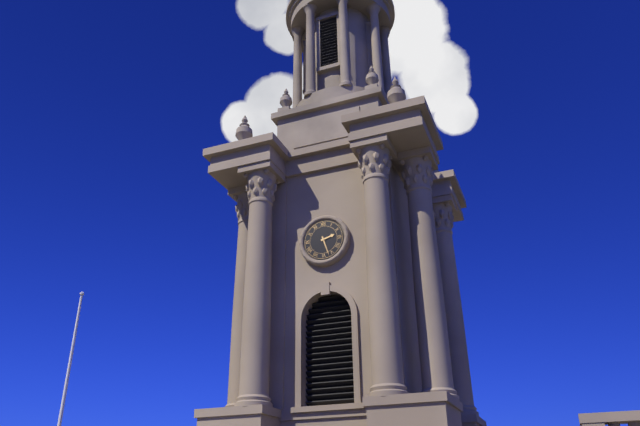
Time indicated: 2:27
